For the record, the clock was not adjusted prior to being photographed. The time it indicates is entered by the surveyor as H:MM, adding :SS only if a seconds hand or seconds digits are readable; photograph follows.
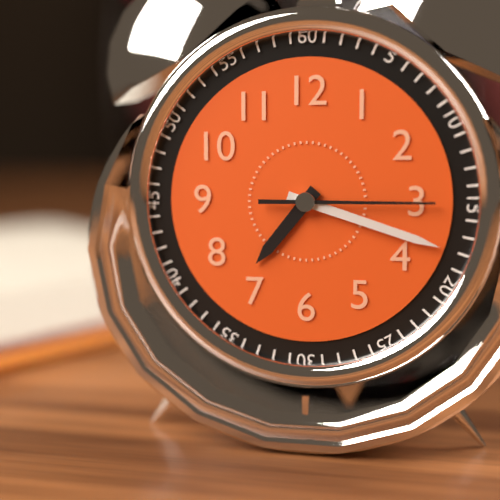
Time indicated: 7:18:15
